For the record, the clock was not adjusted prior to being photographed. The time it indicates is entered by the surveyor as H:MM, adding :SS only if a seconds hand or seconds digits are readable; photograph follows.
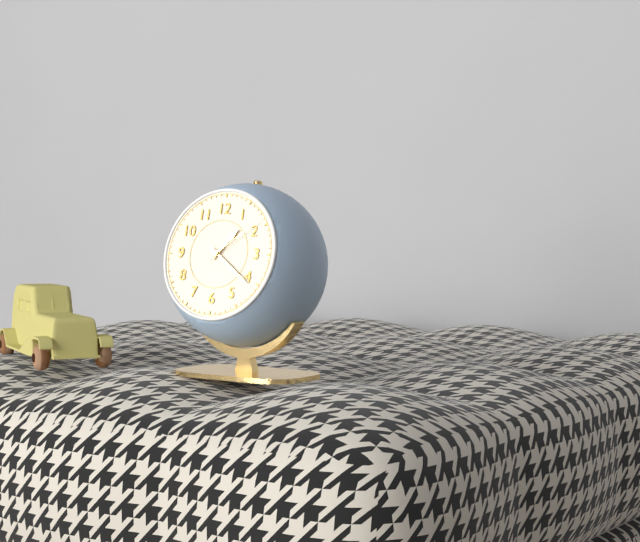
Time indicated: 1:21:09
